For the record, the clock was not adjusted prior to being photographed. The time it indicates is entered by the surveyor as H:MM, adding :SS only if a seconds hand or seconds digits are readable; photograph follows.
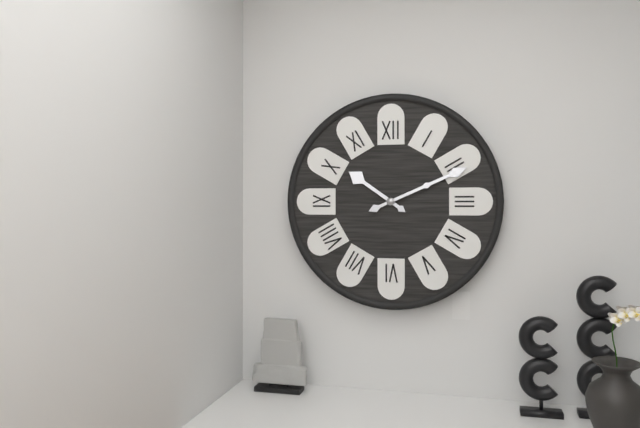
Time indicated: 10:11
